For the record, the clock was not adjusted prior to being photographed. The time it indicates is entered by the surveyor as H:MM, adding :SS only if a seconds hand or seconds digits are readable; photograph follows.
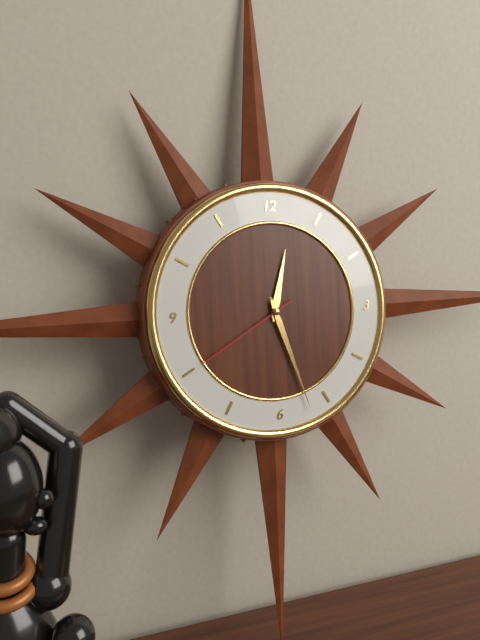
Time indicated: 12:27:40
